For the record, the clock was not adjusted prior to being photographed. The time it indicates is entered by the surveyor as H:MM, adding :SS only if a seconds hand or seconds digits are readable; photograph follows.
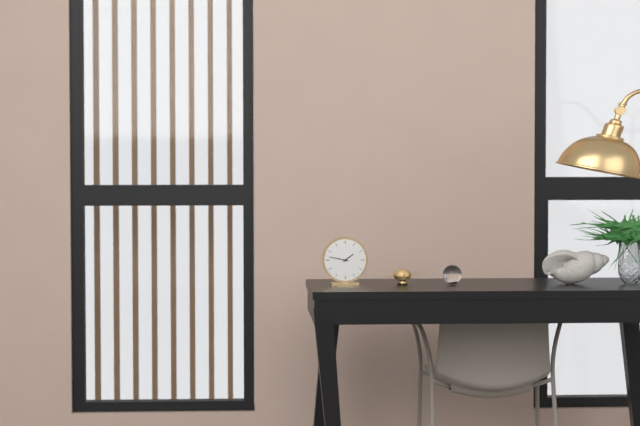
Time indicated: 1:47
